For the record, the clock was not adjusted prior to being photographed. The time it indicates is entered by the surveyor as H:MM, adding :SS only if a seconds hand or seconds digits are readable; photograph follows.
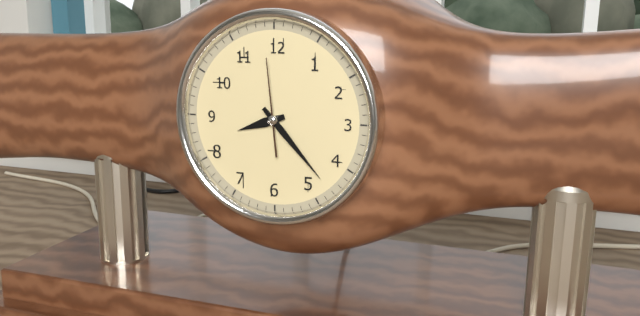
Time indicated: 8:23:59
